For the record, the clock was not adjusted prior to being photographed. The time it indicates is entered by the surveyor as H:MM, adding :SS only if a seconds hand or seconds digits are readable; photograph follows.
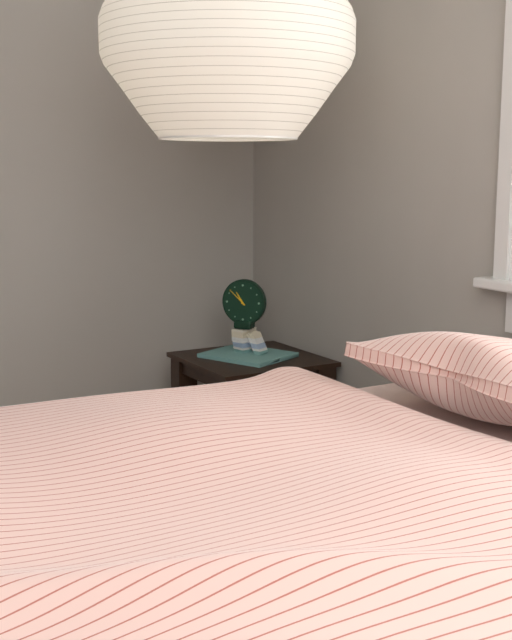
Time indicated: 10:52
